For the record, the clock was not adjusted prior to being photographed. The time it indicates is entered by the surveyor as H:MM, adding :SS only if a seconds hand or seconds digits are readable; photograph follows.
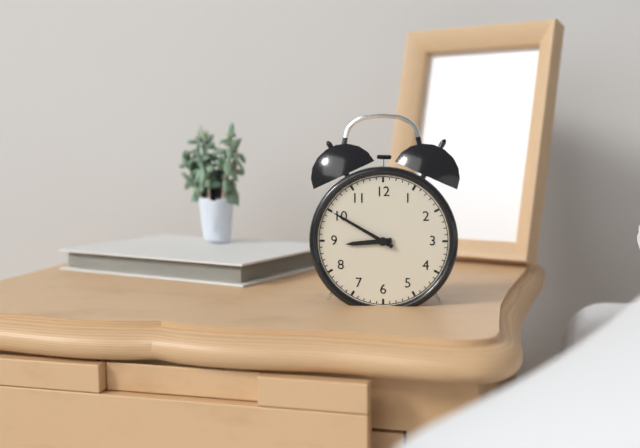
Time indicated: 8:50
